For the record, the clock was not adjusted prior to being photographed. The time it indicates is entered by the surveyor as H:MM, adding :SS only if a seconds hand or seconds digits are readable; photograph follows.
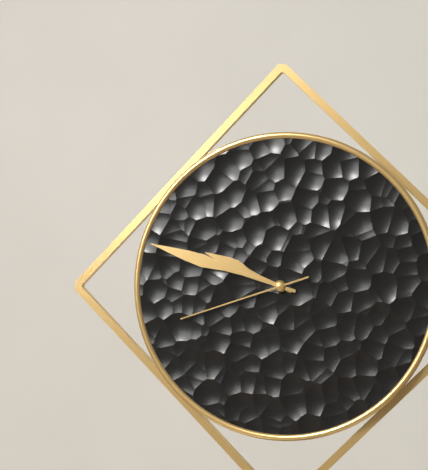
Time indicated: 9:48:42
